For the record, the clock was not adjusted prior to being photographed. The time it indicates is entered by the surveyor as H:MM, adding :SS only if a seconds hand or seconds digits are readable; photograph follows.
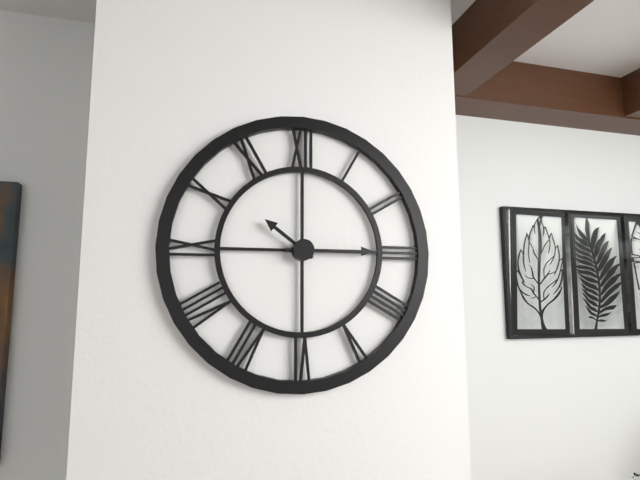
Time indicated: 10:15
